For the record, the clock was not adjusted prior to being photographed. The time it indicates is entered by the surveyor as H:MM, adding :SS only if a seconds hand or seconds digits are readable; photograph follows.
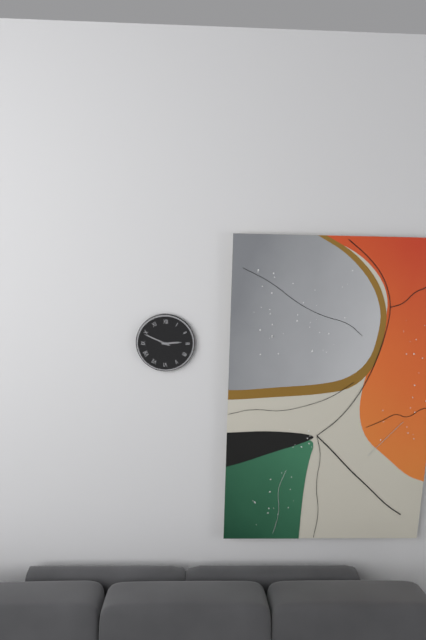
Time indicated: 2:49
